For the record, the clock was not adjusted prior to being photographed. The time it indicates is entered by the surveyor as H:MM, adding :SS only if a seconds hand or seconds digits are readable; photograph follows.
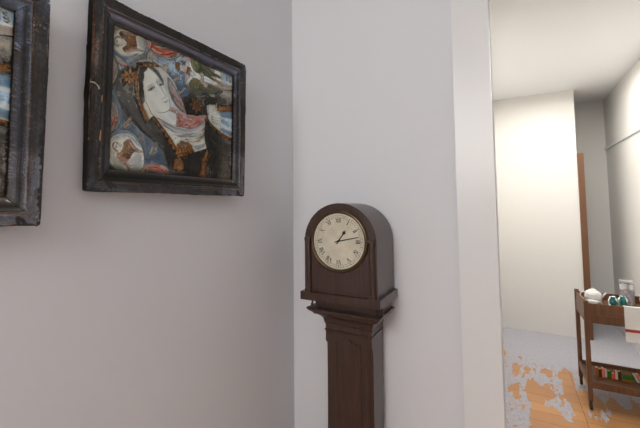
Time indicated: 1:13
